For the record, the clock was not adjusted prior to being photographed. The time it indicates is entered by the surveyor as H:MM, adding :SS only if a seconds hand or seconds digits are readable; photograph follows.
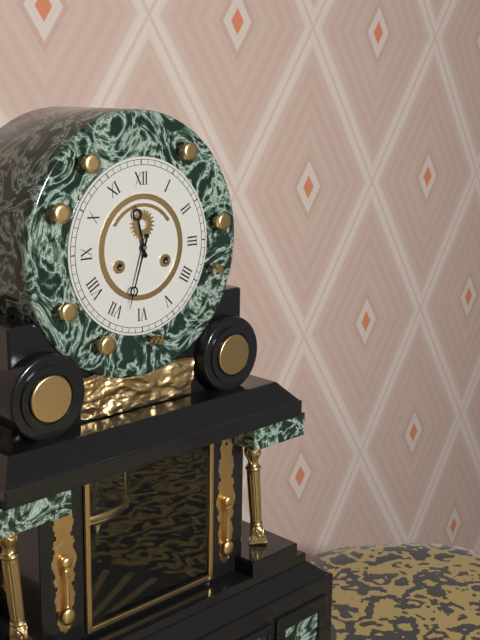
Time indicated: 11:33
